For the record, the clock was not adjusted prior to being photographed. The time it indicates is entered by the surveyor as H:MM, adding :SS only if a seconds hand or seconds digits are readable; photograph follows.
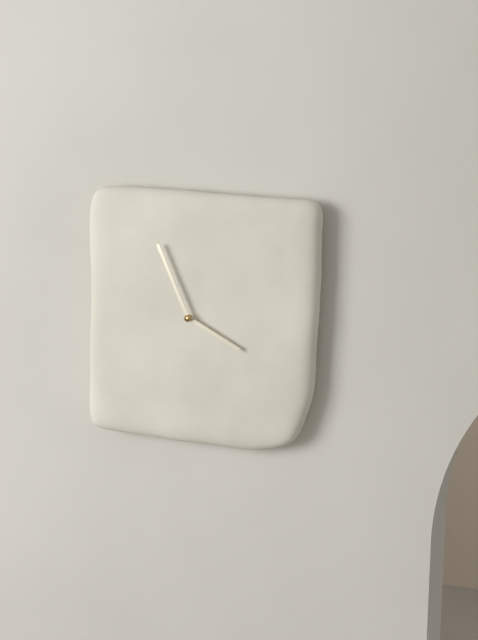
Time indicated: 3:56
